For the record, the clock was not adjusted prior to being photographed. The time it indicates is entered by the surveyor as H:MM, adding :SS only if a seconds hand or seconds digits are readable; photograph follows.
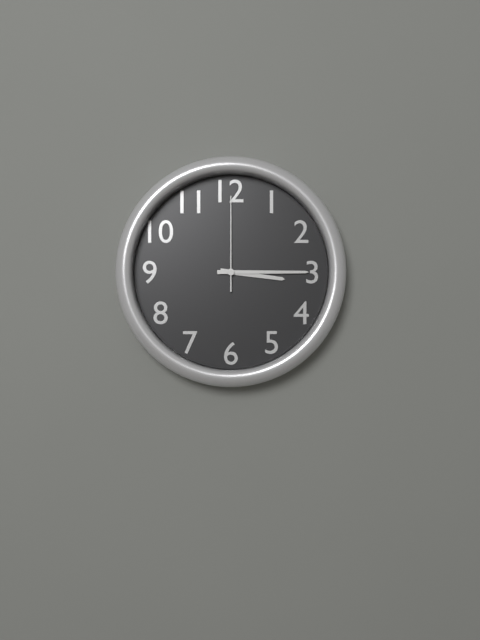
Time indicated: 3:15:00
